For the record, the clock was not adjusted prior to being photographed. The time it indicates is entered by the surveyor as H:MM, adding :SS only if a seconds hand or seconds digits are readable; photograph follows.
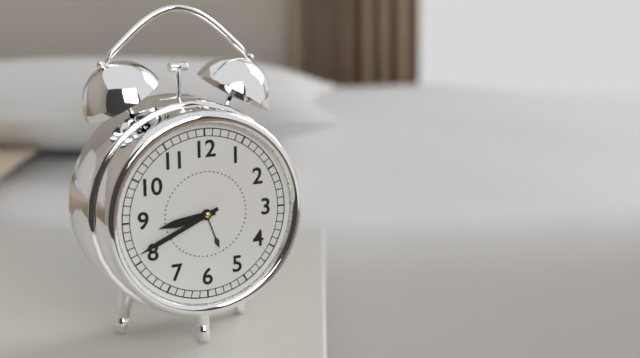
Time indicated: 8:41
